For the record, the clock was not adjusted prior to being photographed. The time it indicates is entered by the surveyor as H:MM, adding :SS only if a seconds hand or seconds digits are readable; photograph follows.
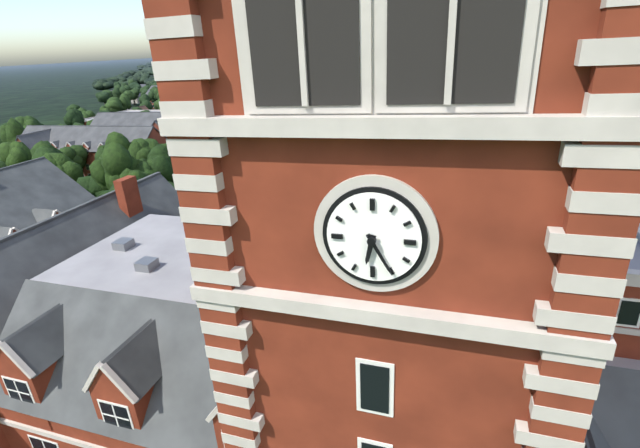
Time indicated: 6:25
